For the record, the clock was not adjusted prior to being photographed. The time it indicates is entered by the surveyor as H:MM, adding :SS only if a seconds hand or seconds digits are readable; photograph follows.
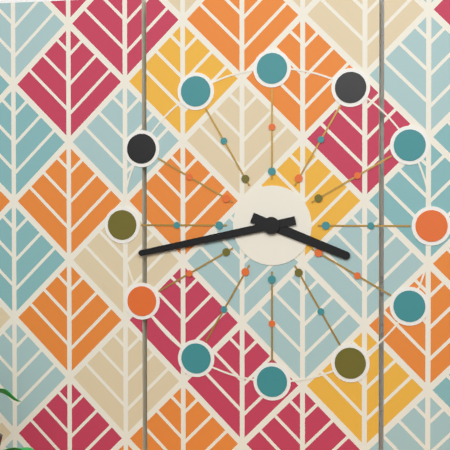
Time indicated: 3:43
